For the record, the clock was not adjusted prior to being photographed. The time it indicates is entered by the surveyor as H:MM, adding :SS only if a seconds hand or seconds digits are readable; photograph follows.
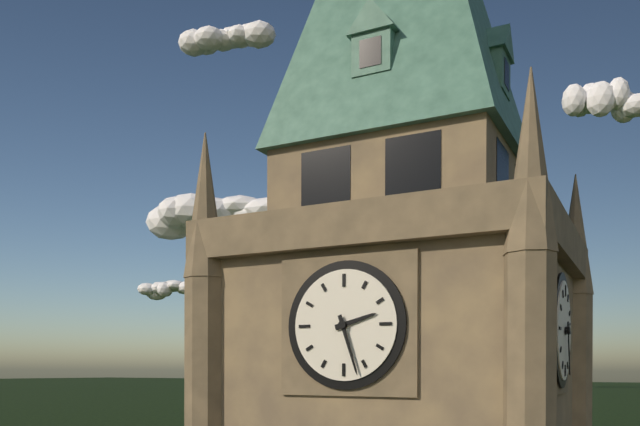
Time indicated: 2:27
